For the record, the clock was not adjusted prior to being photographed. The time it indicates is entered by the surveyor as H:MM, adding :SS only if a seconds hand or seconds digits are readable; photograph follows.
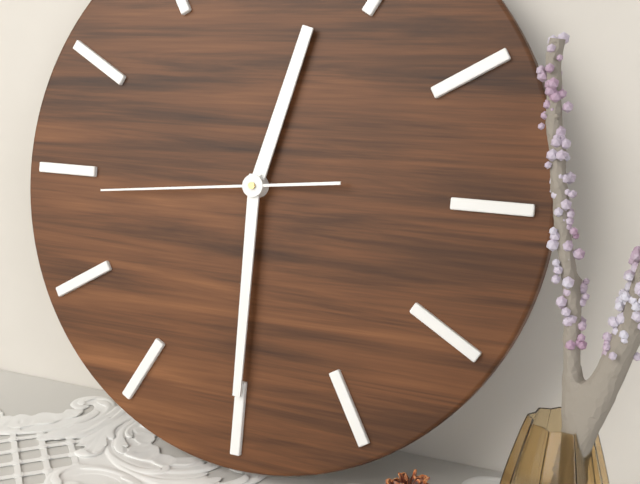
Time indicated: 12:30:44
